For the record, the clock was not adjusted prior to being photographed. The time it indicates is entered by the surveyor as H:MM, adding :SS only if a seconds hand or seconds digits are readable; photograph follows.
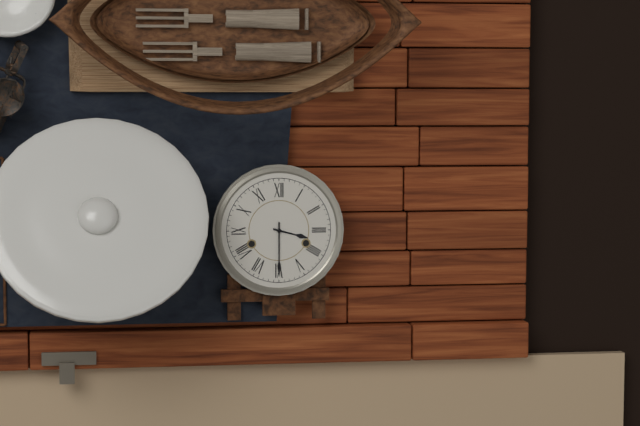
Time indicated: 3:30
